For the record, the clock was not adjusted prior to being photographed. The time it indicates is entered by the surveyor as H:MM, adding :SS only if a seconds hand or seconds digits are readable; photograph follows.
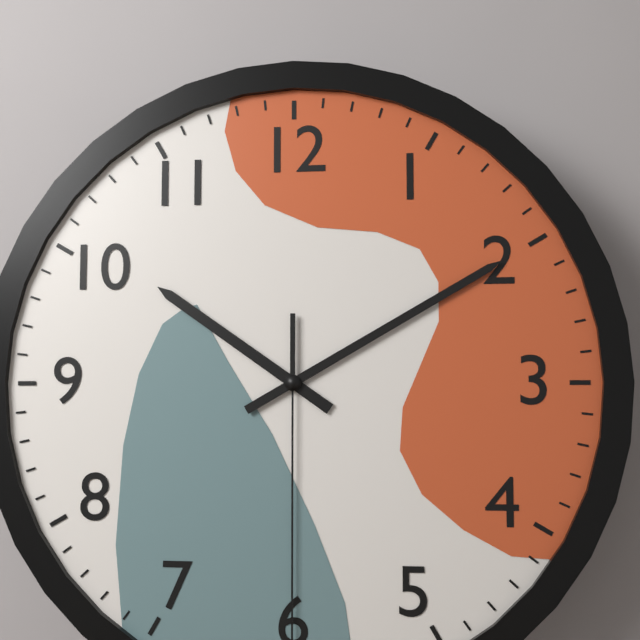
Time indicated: 10:10
